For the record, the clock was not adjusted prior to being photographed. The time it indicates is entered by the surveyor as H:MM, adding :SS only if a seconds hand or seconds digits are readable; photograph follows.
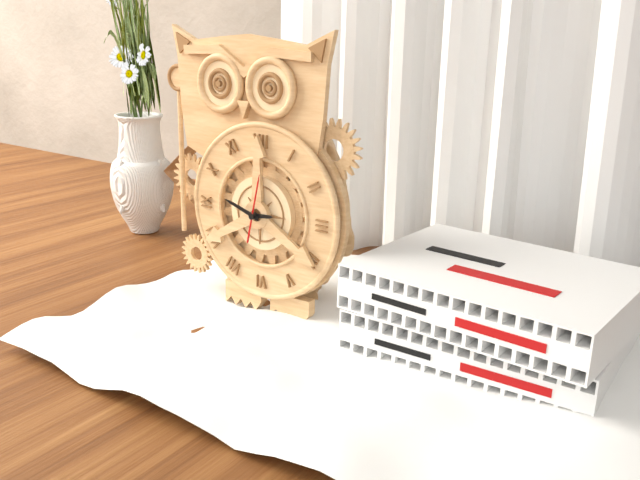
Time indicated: 2:48:02
